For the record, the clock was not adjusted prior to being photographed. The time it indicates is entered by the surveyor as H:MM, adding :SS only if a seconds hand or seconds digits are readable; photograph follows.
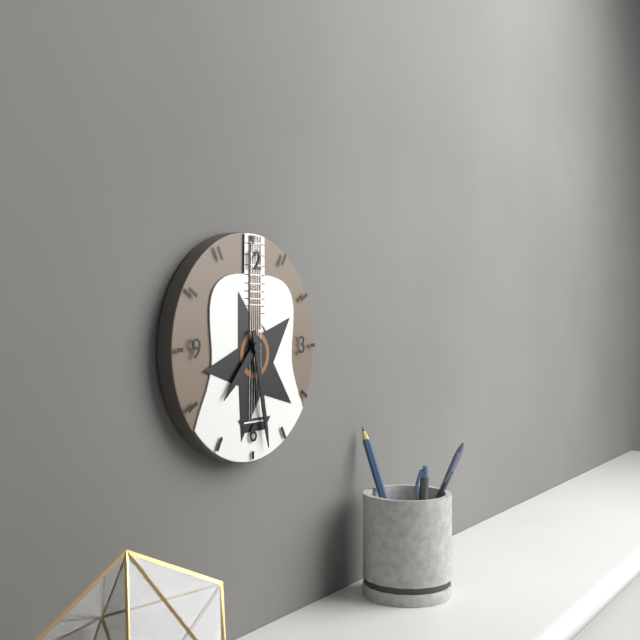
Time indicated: 7:28
